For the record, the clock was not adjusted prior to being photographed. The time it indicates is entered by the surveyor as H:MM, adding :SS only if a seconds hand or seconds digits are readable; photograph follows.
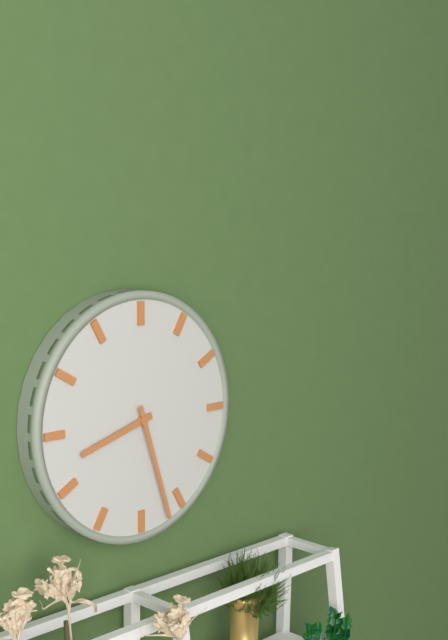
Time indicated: 8:27
